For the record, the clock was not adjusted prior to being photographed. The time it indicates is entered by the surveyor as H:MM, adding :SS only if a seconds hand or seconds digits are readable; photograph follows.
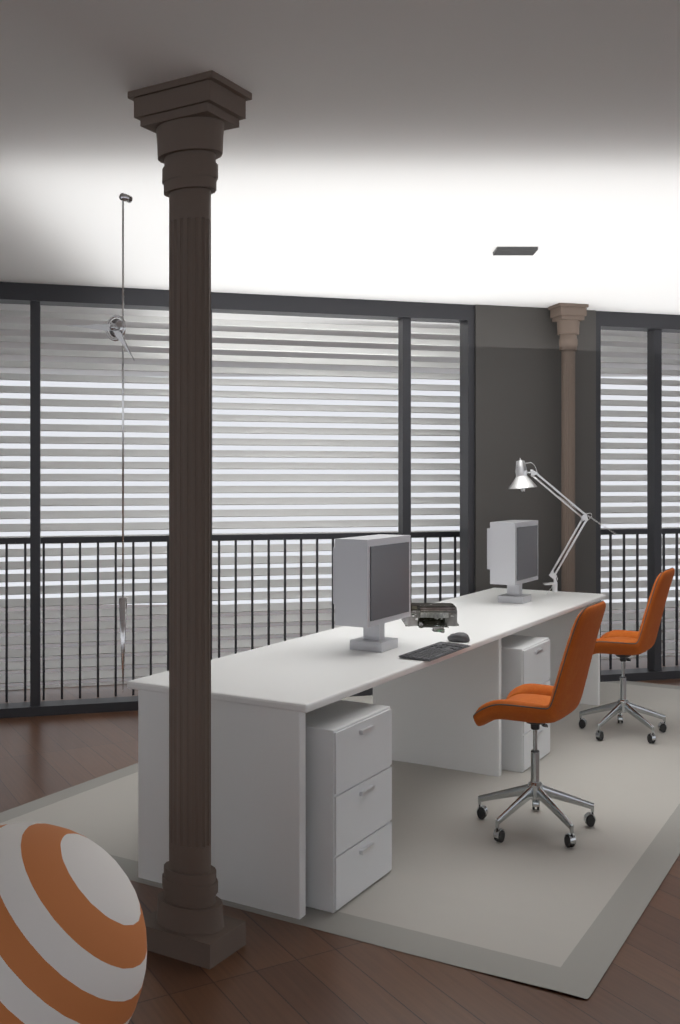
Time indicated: 4:46
